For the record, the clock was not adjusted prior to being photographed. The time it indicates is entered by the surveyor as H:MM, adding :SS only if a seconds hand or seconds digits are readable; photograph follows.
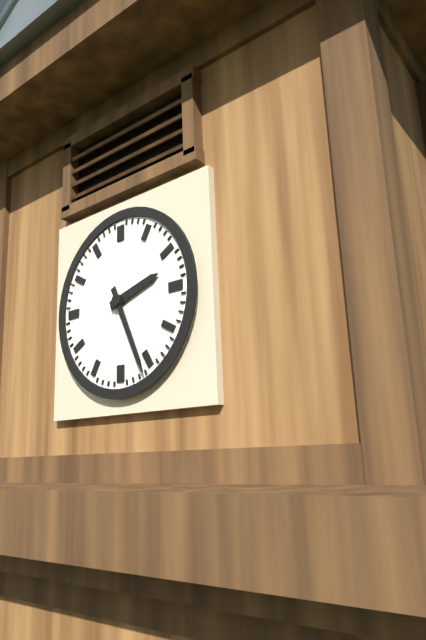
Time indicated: 2:26
